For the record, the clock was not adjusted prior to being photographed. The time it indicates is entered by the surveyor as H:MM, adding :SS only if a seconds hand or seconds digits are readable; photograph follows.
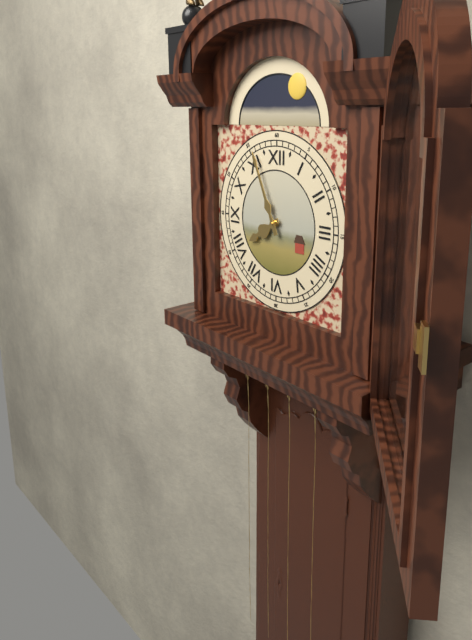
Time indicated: 7:56
